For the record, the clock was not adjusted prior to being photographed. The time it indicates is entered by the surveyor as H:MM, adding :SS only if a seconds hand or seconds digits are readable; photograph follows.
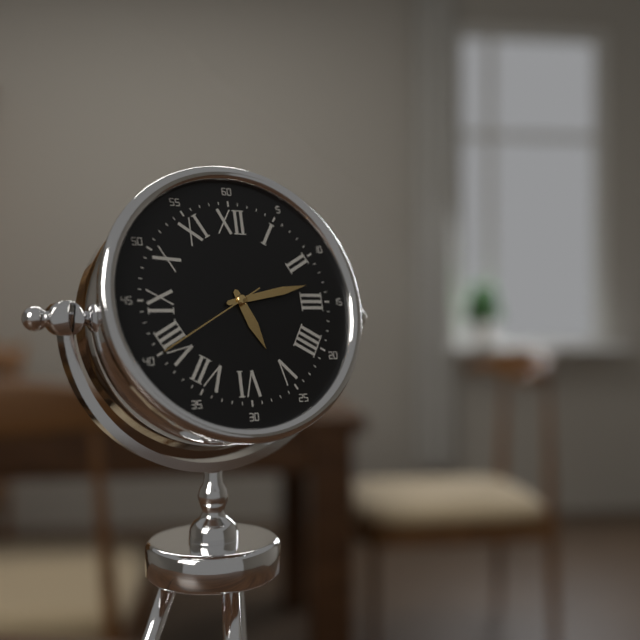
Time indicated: 5:13:40
